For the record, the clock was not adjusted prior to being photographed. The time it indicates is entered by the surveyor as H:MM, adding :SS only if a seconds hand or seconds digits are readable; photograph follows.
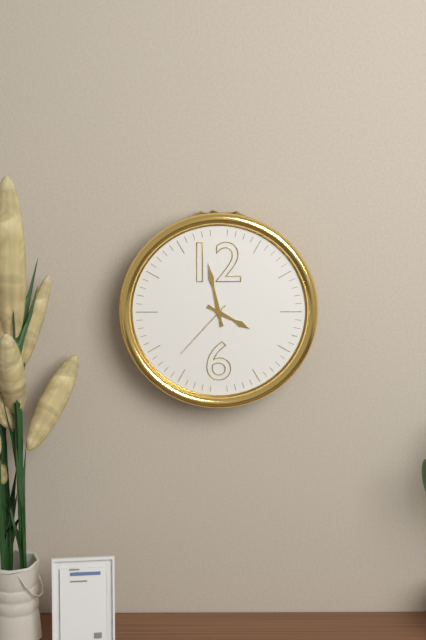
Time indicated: 3:58:37
